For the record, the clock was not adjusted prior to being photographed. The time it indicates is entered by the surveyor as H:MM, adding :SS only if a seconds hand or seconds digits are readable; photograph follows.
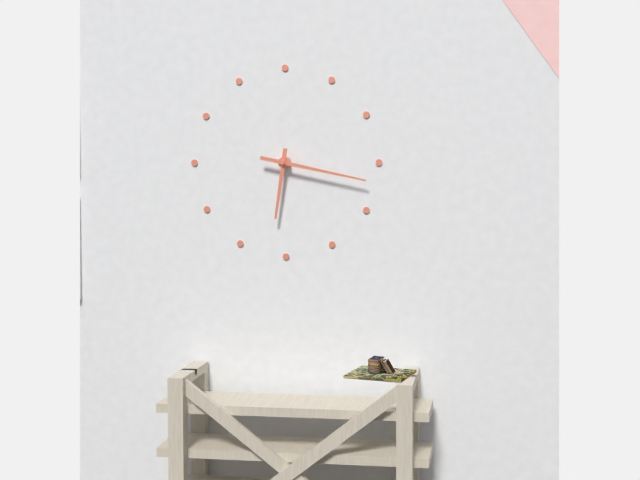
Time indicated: 6:17
